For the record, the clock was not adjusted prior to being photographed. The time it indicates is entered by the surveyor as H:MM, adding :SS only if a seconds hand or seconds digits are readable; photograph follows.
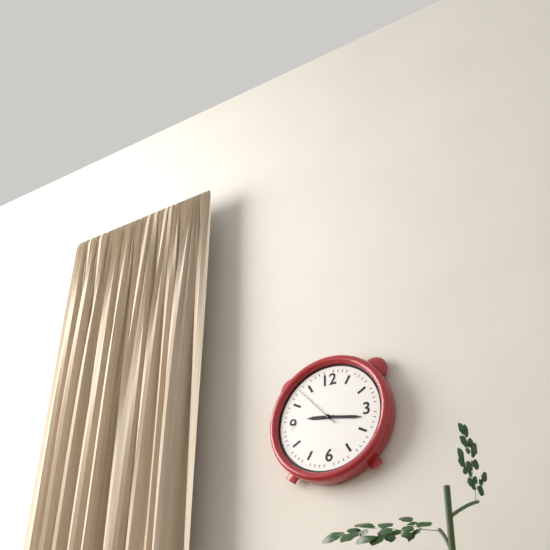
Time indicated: 9:17
